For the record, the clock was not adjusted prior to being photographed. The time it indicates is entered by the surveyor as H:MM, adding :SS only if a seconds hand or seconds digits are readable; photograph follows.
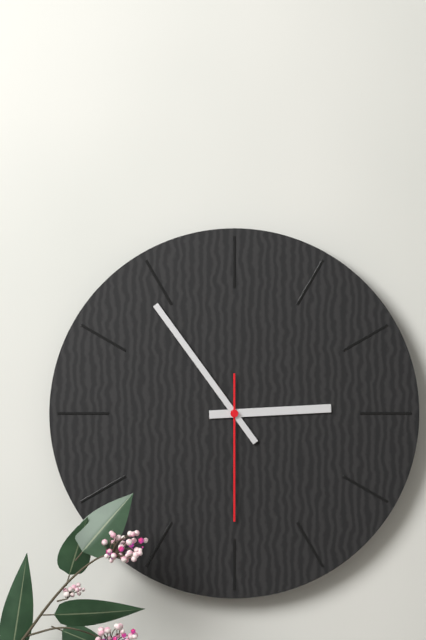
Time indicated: 2:54:30
